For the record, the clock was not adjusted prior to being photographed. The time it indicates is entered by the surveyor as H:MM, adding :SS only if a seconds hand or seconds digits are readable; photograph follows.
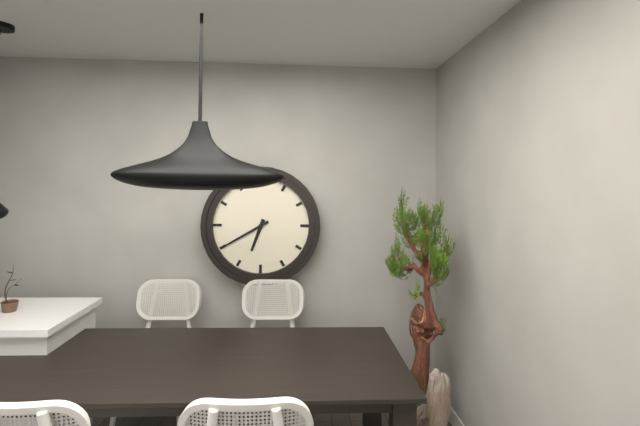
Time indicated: 6:40
